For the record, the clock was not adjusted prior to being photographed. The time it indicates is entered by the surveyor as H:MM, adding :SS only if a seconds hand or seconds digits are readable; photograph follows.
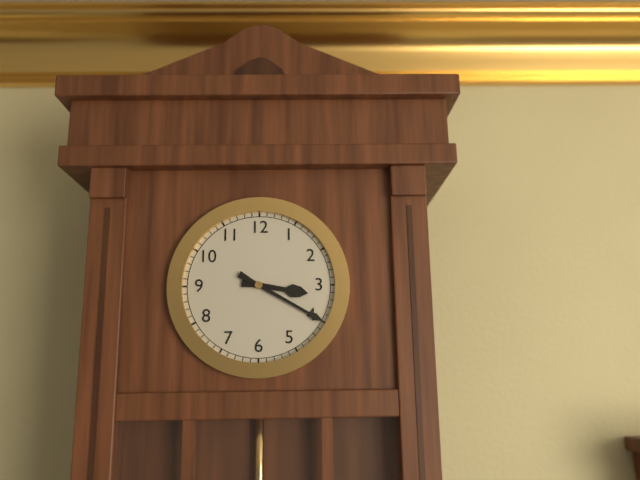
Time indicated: 3:20
